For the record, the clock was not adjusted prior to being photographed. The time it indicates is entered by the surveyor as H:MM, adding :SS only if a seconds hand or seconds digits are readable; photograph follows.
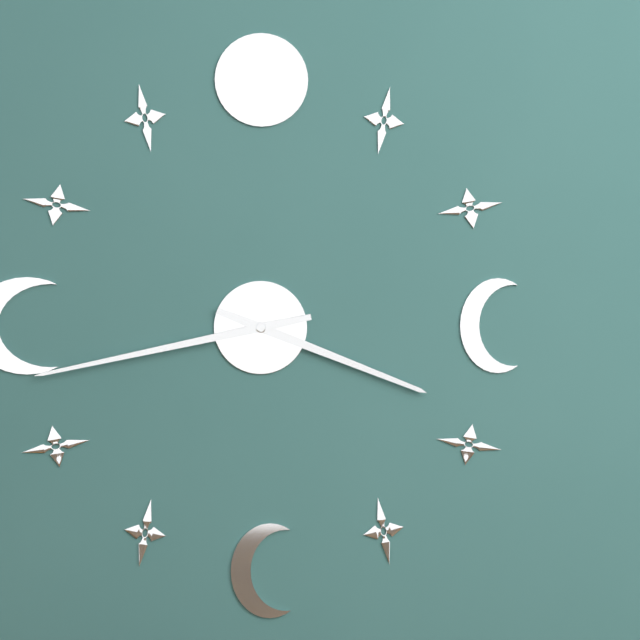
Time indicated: 3:43
